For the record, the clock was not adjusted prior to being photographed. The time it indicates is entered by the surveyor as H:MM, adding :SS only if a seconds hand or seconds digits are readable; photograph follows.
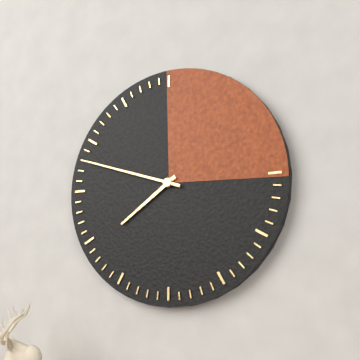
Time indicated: 7:48
